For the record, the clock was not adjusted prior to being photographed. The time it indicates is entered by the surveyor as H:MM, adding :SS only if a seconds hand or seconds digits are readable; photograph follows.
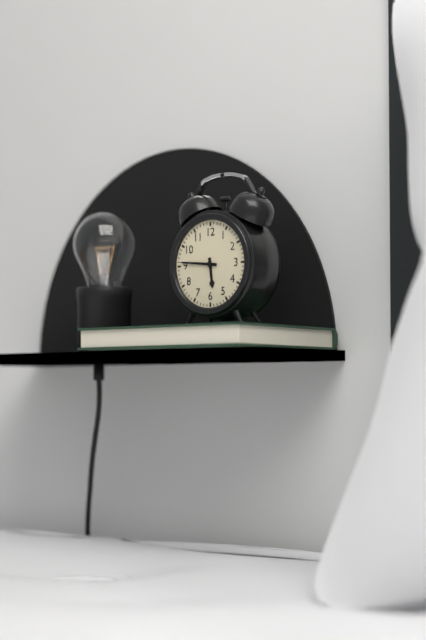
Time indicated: 5:46
